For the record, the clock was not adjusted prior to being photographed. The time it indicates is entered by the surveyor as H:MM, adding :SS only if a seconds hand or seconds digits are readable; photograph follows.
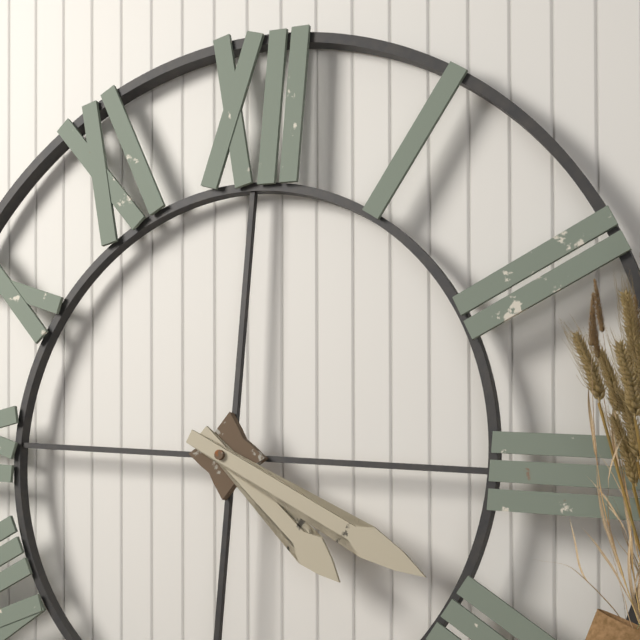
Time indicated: 4:19
